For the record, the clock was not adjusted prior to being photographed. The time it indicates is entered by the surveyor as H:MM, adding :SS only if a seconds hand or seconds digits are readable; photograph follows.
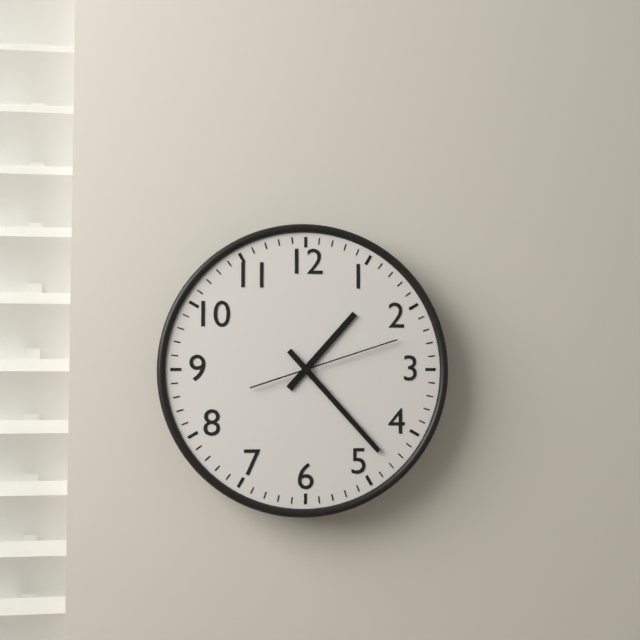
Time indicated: 1:23:12
